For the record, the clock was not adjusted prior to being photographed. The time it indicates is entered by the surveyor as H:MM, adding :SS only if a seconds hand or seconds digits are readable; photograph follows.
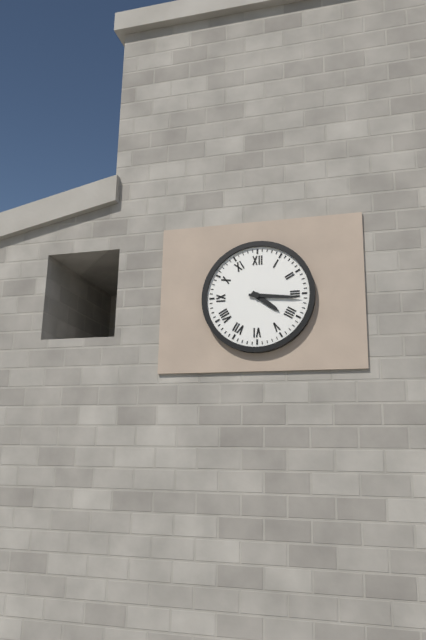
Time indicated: 4:16
